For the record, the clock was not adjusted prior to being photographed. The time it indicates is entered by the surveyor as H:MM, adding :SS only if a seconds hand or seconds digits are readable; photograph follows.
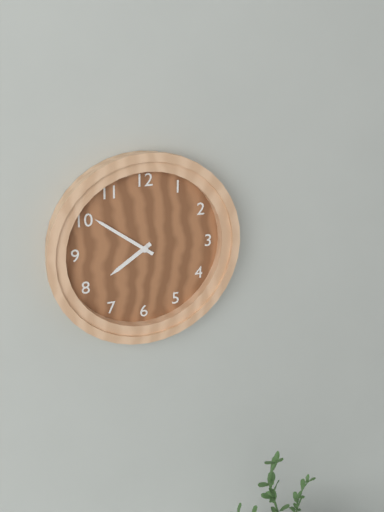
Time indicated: 7:51
